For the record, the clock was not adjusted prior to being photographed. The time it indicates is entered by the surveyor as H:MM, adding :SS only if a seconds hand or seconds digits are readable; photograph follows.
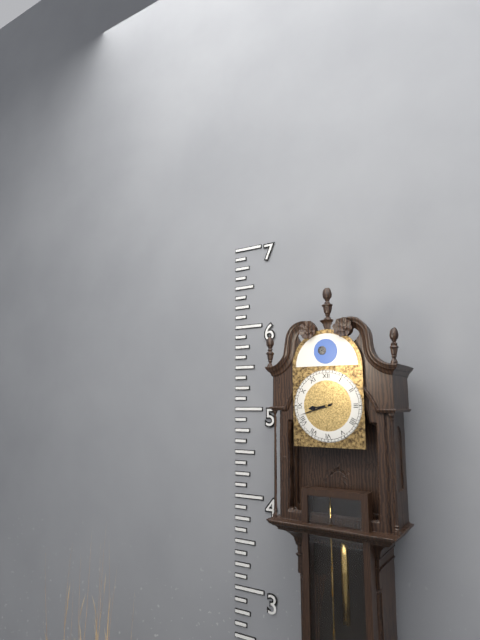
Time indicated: 8:42
